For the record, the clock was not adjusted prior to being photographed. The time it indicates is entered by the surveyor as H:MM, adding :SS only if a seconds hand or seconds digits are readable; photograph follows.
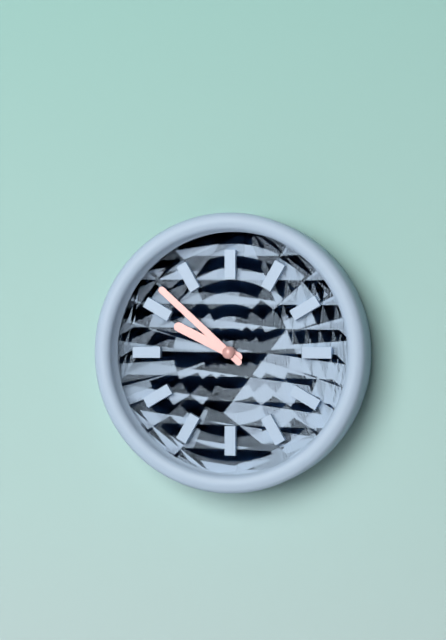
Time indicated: 9:52
